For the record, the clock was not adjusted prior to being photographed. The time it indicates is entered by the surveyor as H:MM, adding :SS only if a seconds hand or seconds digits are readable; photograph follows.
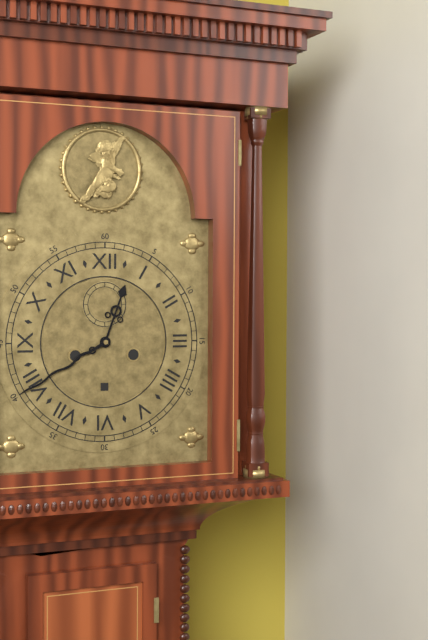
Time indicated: 12:40
